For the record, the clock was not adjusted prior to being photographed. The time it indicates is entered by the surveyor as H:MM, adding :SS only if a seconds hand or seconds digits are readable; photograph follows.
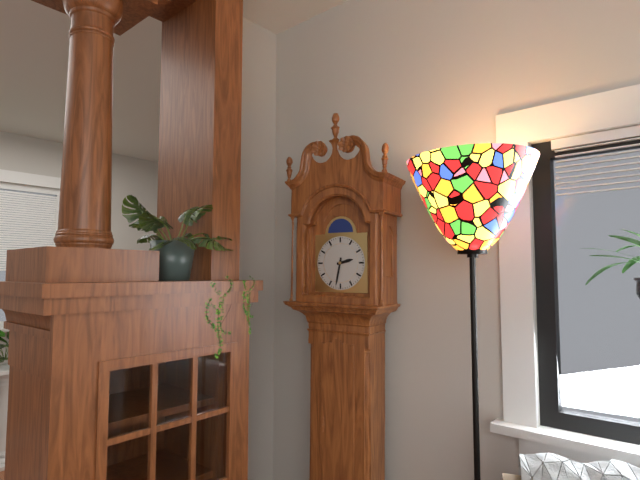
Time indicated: 2:32
